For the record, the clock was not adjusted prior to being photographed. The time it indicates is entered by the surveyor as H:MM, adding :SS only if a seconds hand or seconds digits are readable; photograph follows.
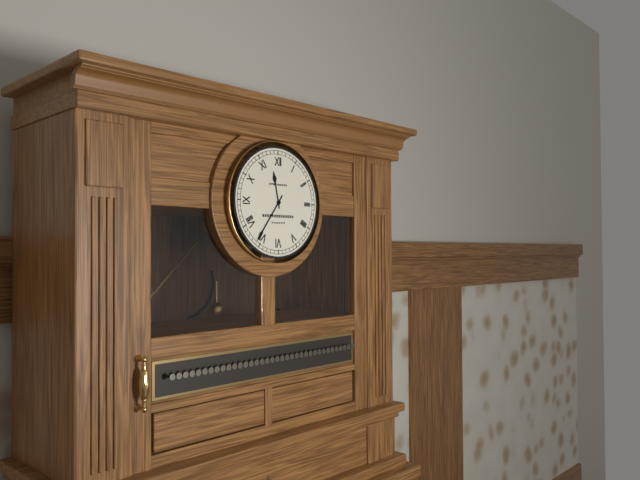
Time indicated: 11:36
